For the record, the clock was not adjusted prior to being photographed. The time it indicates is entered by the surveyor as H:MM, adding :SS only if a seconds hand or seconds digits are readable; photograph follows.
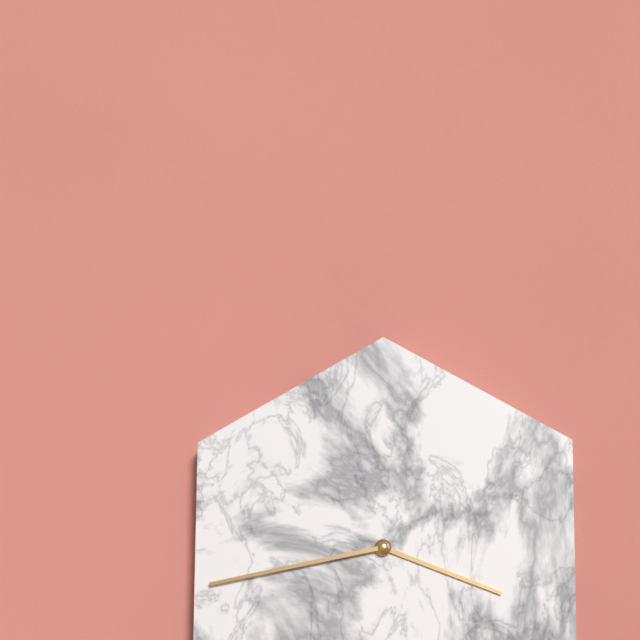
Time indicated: 3:43
